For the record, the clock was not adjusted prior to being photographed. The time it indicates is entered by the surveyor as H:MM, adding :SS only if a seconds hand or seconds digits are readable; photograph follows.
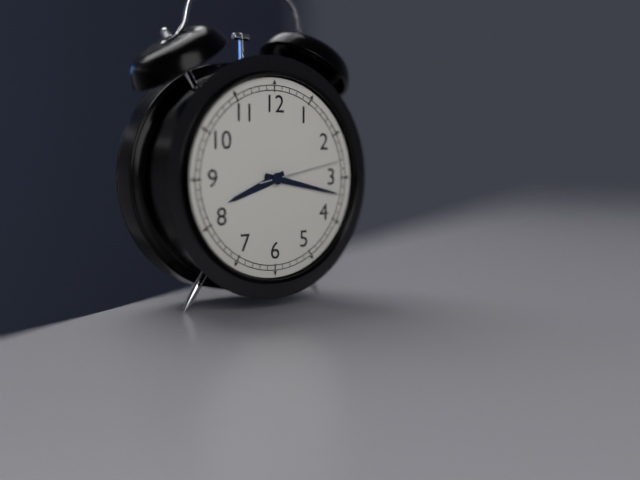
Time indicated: 8:17:13
